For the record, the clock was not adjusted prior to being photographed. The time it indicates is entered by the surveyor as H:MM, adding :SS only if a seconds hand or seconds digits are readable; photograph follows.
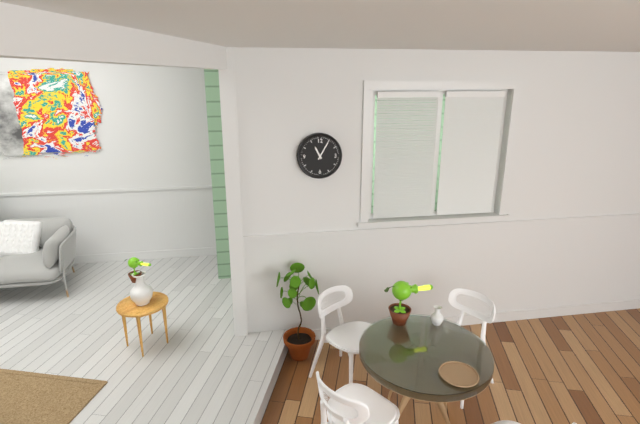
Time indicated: 11:05
